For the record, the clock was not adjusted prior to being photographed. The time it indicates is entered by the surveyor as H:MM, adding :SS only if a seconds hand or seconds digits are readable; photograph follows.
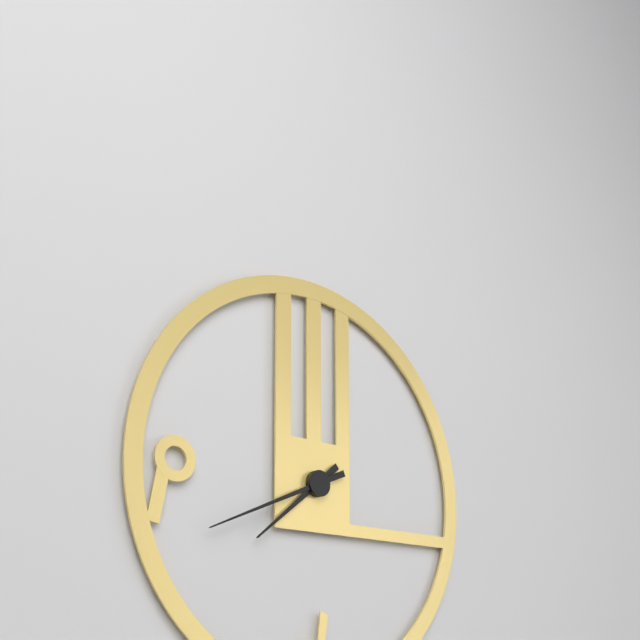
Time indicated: 7:41
